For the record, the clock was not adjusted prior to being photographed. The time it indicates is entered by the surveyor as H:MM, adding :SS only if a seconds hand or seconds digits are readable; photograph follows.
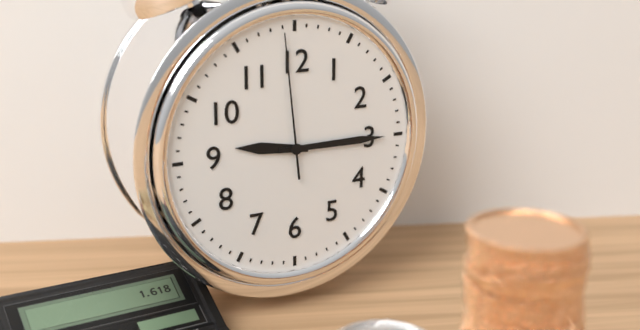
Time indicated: 9:15:59
